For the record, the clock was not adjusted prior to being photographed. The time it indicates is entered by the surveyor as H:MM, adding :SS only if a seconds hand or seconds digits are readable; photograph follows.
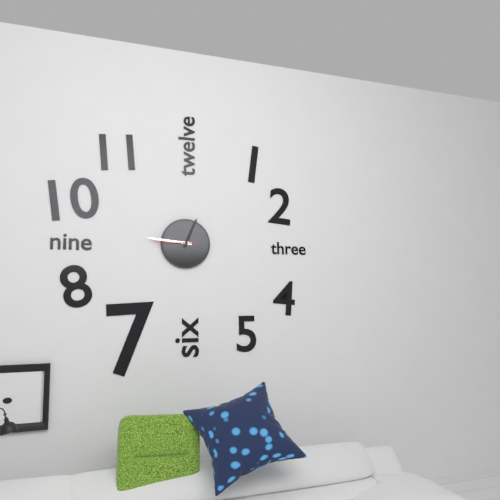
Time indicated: 12:46
